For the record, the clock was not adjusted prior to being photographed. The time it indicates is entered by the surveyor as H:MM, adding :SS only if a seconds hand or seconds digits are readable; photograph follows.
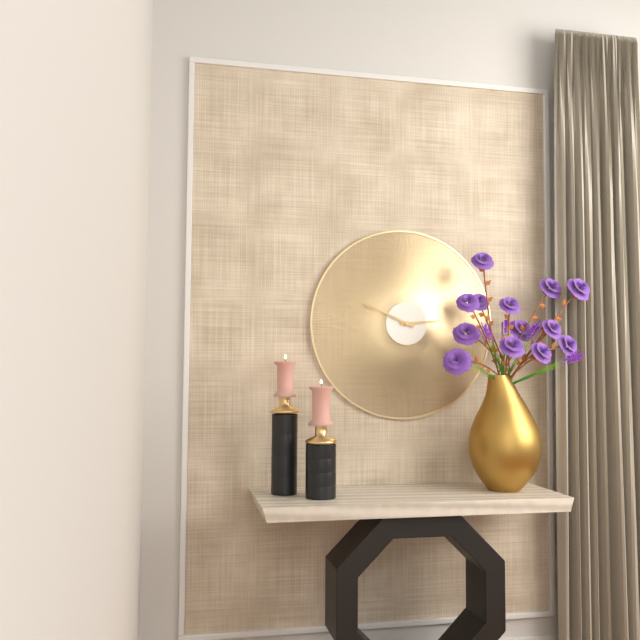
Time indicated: 2:49
